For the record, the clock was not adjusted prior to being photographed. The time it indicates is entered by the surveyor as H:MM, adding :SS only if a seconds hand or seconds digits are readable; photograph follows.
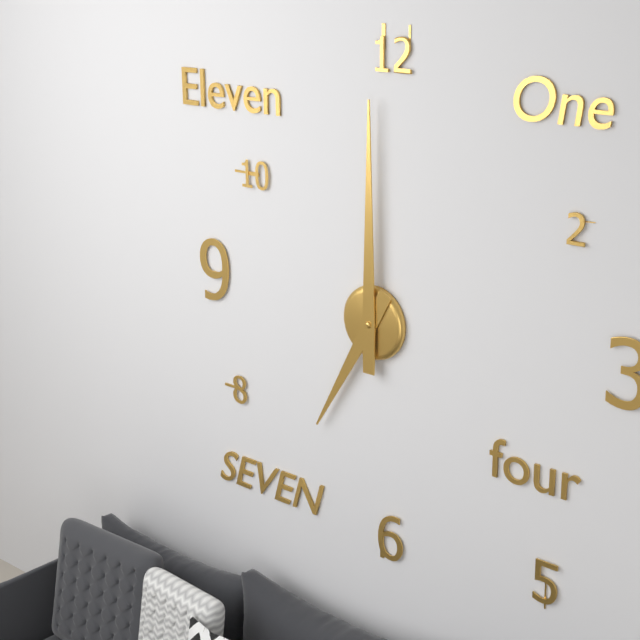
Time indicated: 7:00
